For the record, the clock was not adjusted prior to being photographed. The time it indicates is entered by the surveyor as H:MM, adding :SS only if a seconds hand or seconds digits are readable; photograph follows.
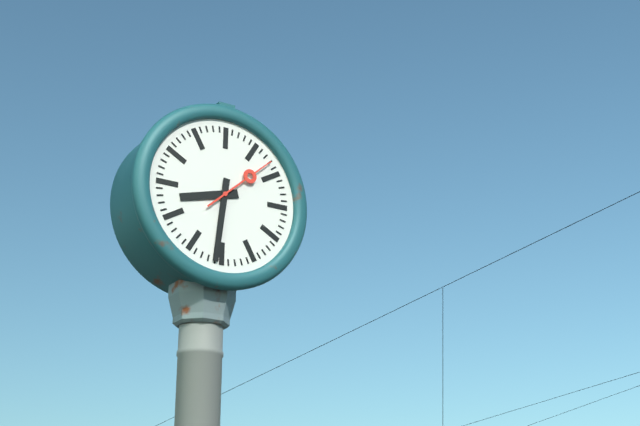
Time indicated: 8:31:08
